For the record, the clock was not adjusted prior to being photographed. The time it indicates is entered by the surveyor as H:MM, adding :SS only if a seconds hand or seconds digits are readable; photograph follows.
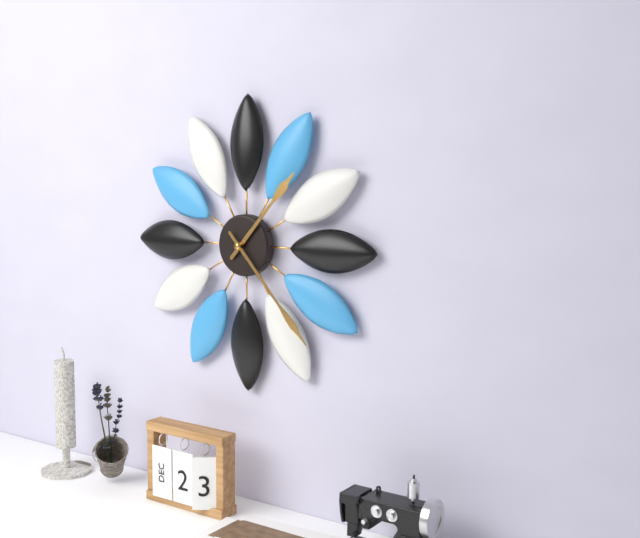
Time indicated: 1:23
